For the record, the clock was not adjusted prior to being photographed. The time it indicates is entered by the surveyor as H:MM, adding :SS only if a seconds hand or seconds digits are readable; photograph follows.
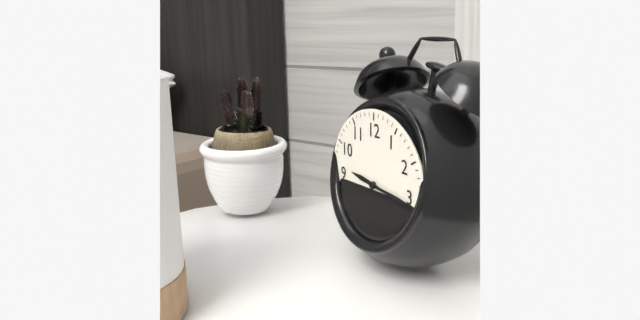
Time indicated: 9:16
